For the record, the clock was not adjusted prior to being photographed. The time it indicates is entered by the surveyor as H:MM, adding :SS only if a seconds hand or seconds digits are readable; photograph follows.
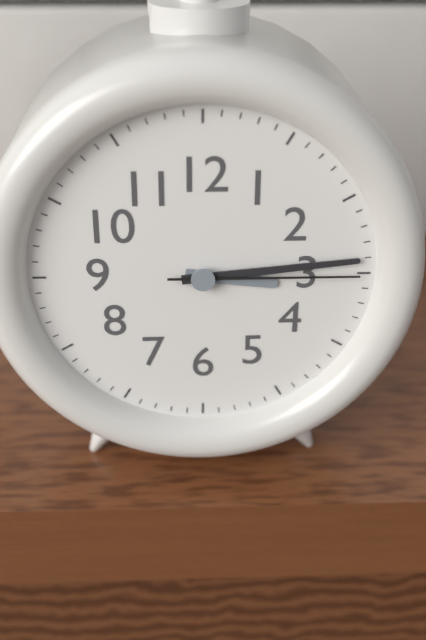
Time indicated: 3:14:15
